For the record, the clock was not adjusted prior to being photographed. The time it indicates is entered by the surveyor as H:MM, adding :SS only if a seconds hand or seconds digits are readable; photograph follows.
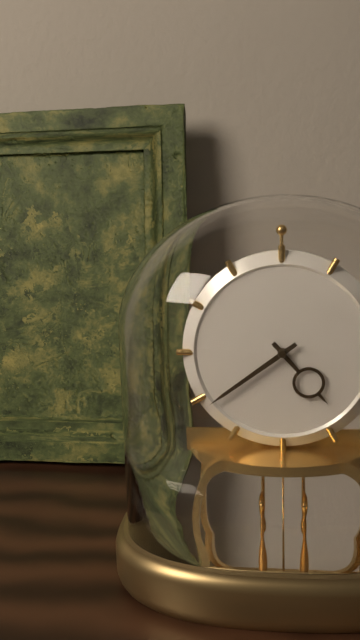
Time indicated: 4:39
